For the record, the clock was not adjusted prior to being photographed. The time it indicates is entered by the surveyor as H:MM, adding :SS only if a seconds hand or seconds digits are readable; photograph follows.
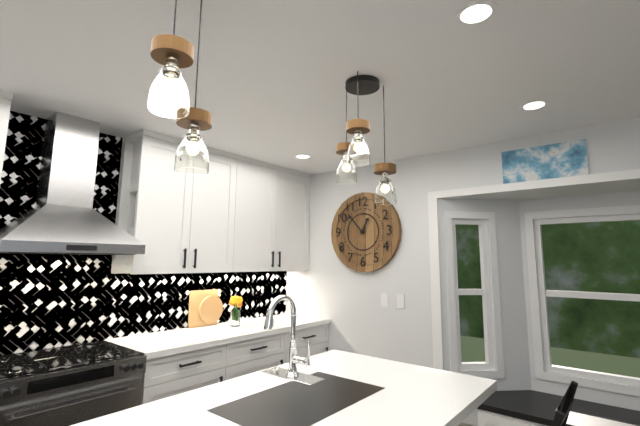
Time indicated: 12:53
